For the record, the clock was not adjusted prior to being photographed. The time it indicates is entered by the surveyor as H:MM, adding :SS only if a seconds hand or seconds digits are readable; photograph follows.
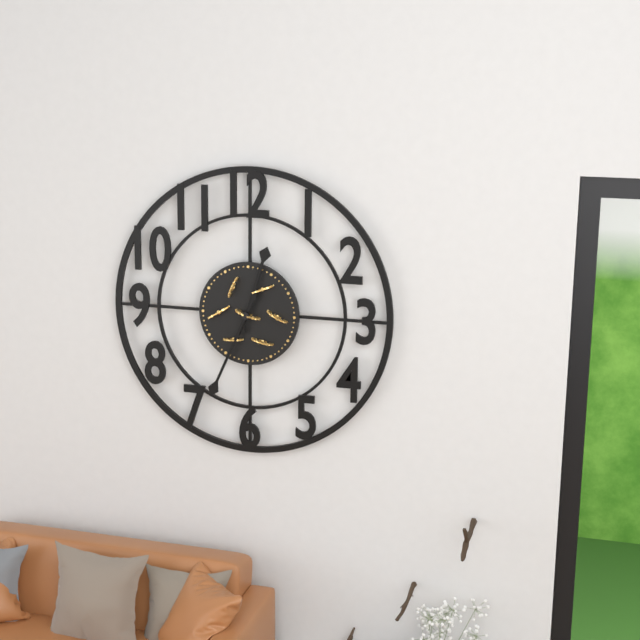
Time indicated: 12:34
